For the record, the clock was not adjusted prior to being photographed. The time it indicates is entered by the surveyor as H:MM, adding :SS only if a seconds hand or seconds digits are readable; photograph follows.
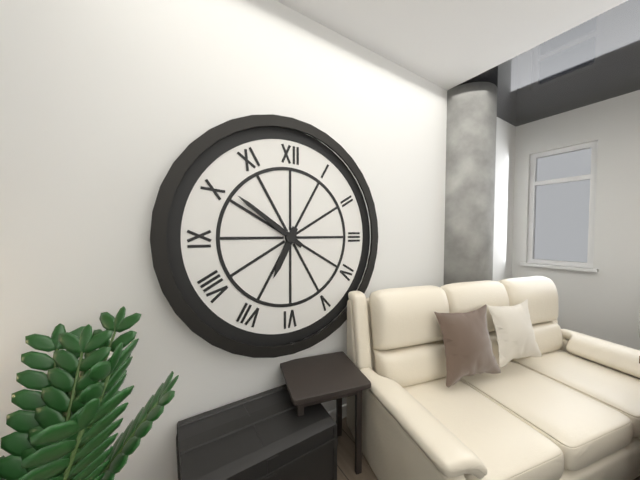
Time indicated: 6:51
